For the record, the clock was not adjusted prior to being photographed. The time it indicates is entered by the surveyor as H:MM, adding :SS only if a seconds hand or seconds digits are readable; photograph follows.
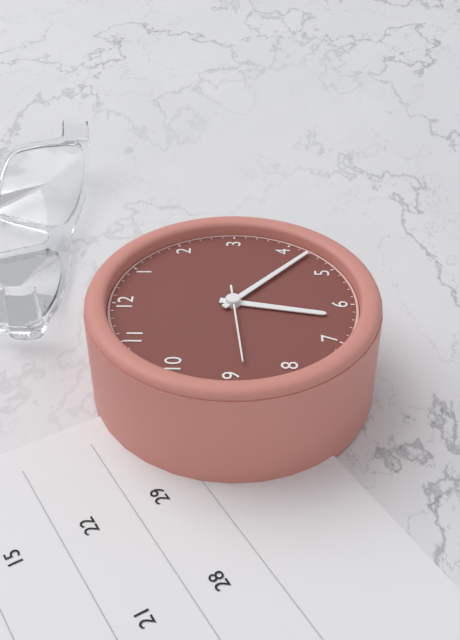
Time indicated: 6:22:44
